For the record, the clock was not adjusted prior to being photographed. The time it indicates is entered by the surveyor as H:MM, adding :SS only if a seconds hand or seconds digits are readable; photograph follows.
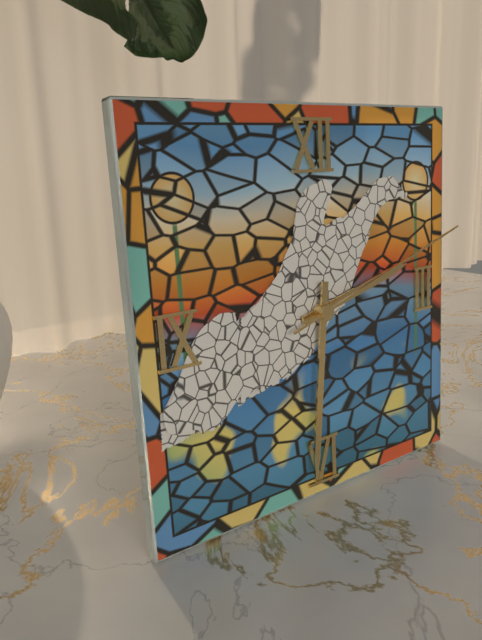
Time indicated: 2:31:12
